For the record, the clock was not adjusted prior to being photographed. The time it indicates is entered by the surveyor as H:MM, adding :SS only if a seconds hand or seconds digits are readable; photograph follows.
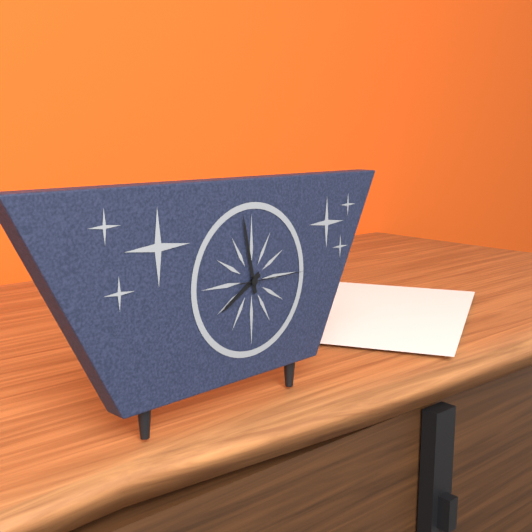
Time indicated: 7:58:15
